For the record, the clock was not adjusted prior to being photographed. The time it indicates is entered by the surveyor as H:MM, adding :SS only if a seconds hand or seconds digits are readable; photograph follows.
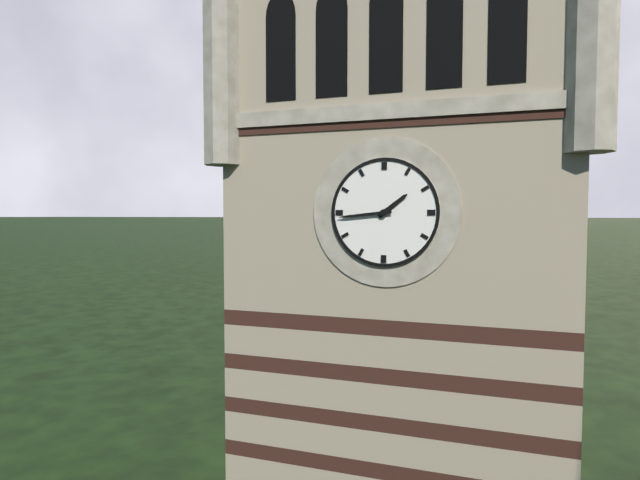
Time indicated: 1:44
